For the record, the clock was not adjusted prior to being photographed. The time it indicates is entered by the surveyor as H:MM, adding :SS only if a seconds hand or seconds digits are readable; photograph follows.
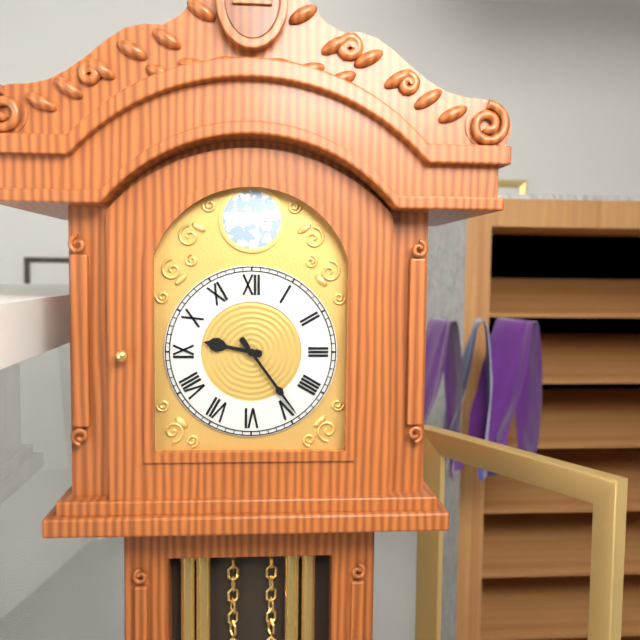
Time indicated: 9:24
